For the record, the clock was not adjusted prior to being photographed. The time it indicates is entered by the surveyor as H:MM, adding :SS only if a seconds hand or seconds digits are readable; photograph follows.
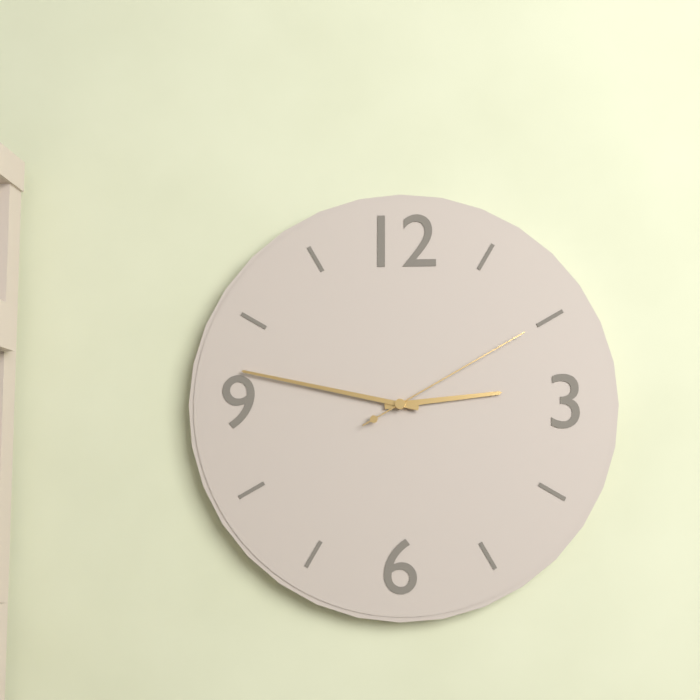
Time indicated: 2:47:10
